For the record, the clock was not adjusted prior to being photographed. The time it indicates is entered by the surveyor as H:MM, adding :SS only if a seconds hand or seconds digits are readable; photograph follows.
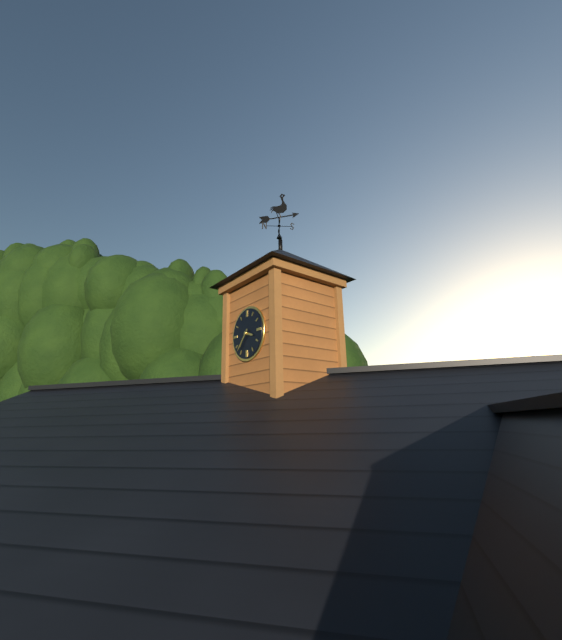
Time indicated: 3:37
